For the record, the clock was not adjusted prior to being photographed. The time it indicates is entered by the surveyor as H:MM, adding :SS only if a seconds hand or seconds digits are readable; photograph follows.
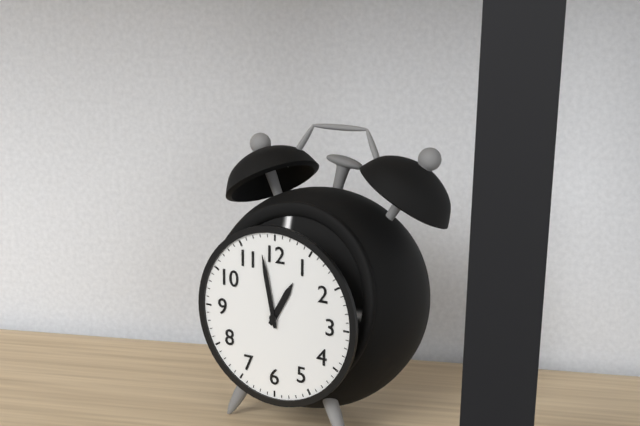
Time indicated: 12:58
